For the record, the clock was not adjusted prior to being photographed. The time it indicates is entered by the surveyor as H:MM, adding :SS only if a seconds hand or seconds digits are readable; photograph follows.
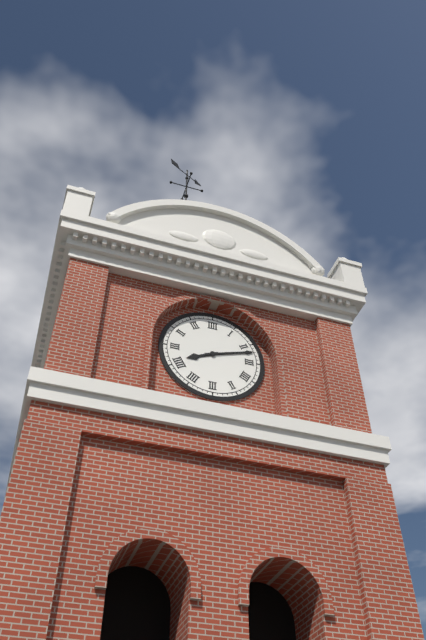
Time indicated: 8:12
